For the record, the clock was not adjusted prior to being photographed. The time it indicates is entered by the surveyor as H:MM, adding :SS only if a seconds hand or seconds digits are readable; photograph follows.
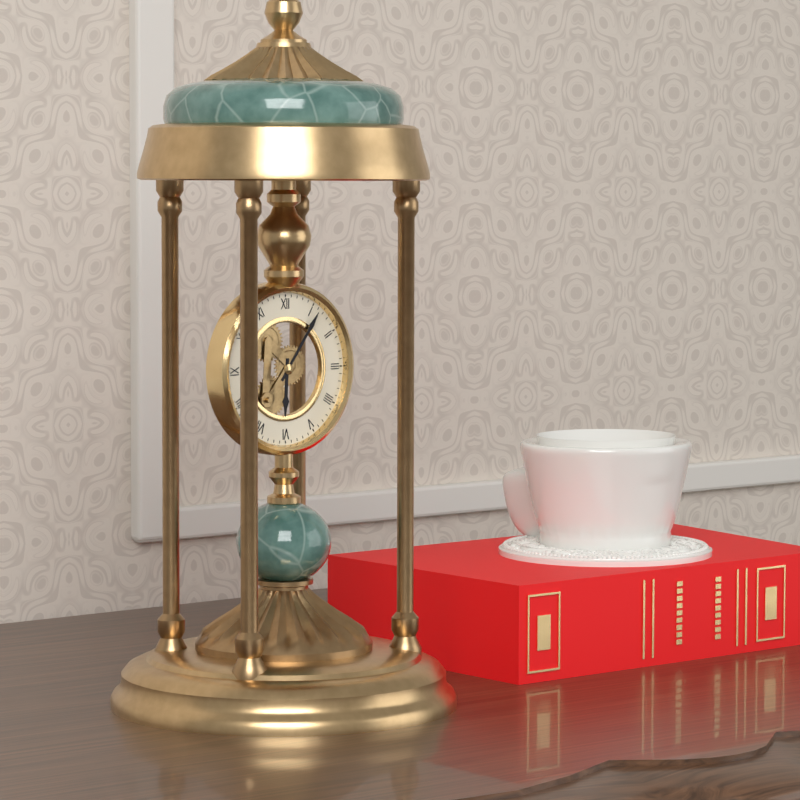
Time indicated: 6:06
